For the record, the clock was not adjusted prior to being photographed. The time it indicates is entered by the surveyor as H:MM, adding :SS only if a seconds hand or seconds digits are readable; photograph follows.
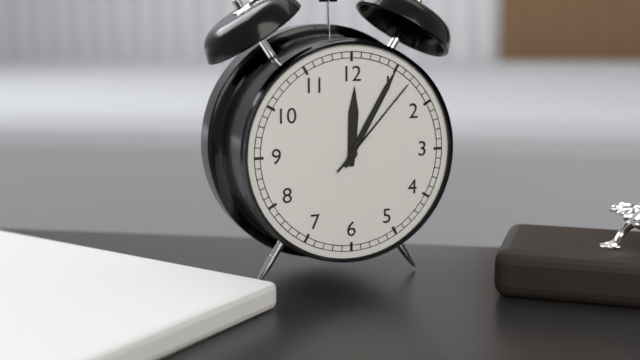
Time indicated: 12:05:07
